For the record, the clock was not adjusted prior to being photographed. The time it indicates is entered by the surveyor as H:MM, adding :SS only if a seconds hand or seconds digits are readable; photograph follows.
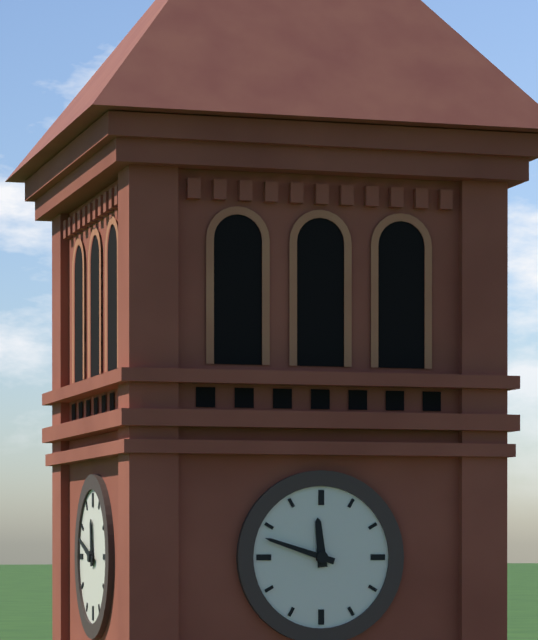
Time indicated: 11:48
